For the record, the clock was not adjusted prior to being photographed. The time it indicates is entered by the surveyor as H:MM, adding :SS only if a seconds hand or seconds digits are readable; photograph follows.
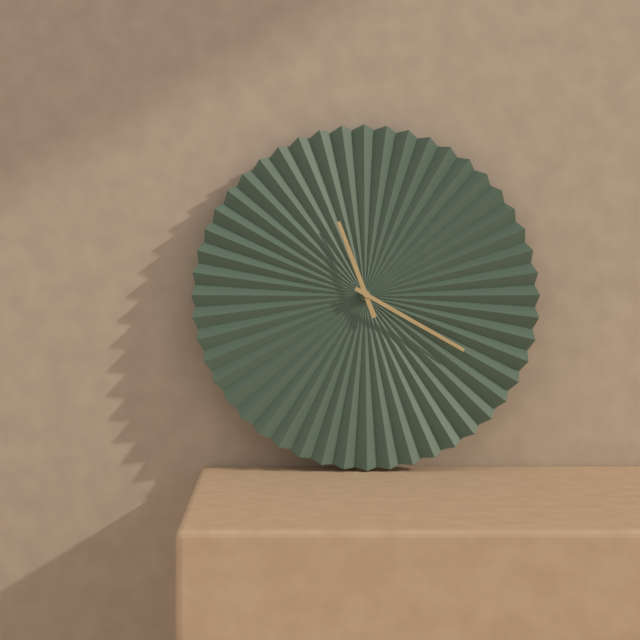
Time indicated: 11:20
